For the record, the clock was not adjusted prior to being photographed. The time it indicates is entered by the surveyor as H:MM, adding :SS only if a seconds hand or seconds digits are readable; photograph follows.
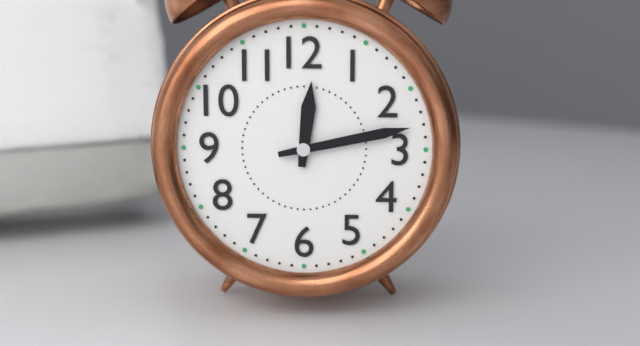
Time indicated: 12:13
